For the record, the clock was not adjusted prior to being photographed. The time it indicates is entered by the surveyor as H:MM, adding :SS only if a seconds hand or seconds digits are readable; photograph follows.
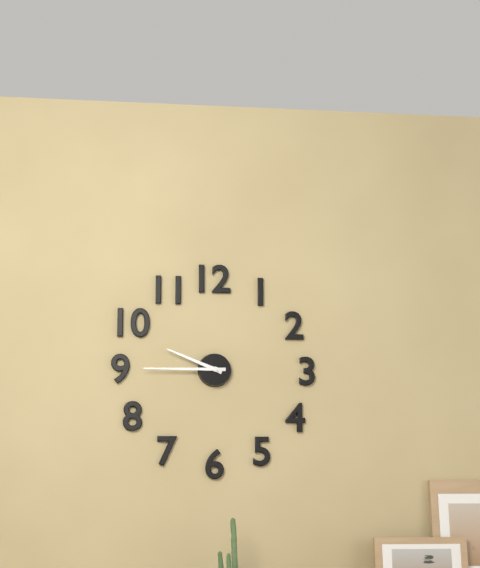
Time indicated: 9:45
